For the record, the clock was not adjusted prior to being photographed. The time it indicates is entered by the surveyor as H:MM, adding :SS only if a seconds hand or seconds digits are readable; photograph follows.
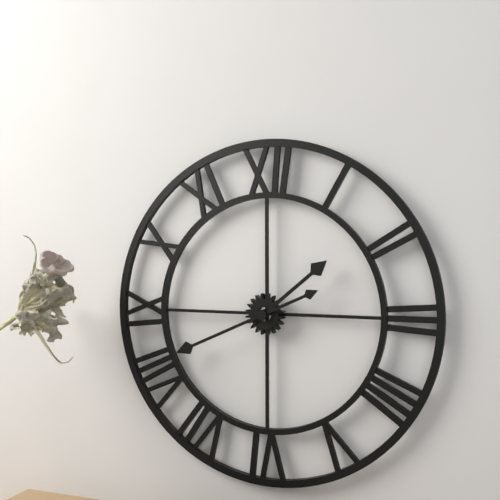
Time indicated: 1:41
